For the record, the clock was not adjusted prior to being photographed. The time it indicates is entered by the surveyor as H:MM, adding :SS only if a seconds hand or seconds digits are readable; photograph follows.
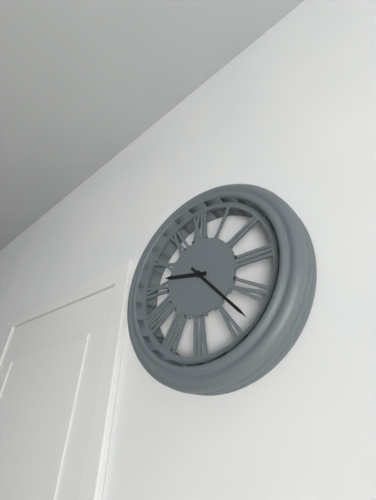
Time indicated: 9:23
